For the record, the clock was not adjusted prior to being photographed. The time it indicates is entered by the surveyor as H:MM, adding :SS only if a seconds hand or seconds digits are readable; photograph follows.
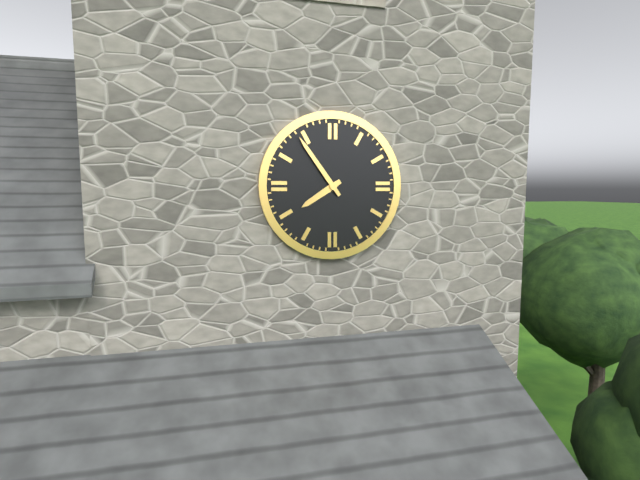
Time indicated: 7:54
